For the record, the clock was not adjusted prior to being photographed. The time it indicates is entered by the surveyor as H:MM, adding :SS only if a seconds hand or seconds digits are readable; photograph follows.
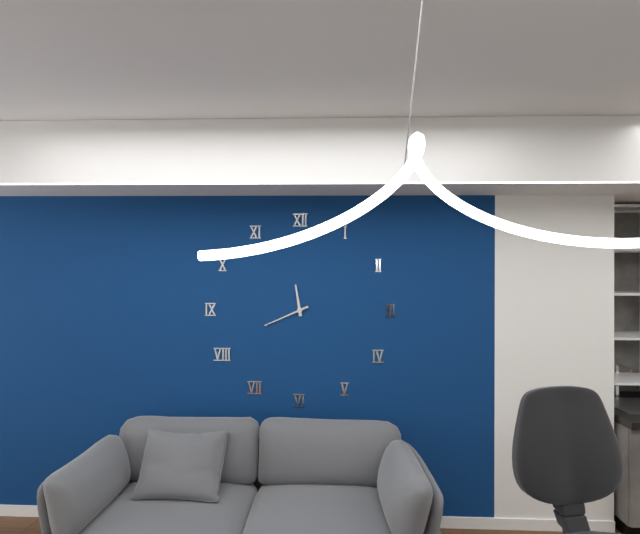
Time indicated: 11:41
